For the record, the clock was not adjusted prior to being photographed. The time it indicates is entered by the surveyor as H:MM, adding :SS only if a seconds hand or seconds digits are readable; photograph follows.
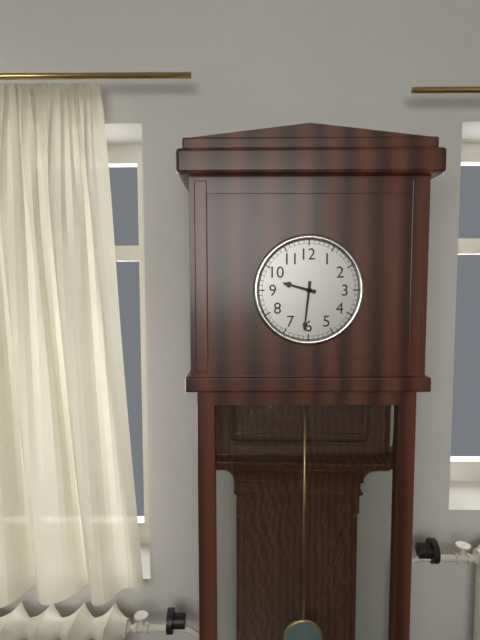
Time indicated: 9:31
